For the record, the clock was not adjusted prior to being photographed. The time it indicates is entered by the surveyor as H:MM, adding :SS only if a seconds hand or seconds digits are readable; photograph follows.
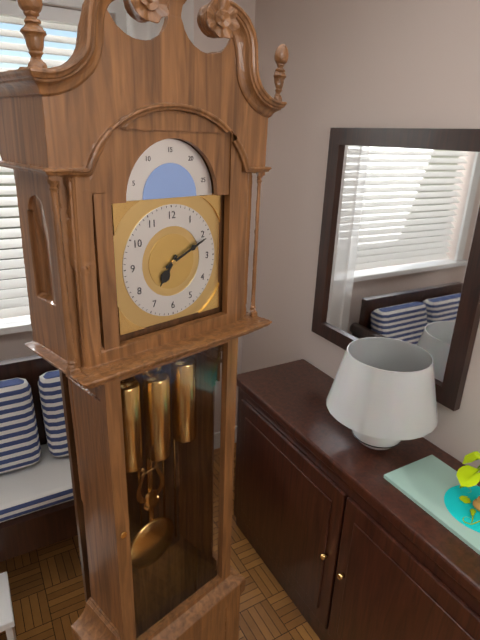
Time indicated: 7:11
